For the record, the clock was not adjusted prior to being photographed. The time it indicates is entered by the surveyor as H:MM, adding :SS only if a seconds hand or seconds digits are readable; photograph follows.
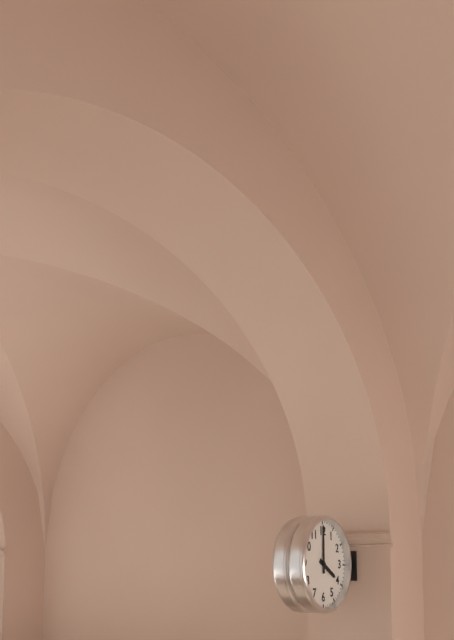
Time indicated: 4:00
